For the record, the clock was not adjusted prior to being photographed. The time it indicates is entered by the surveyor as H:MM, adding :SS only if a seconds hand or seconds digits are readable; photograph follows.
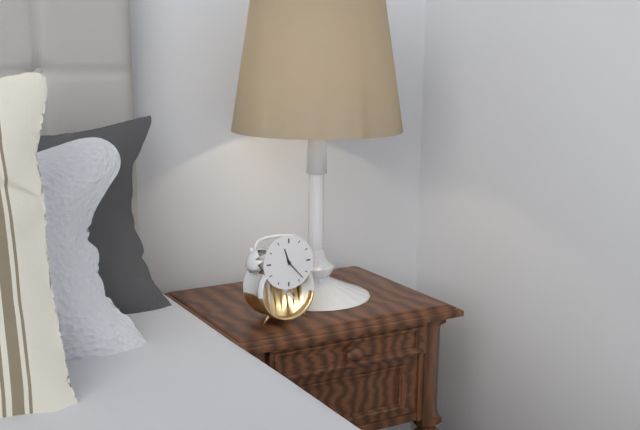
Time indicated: 11:23
